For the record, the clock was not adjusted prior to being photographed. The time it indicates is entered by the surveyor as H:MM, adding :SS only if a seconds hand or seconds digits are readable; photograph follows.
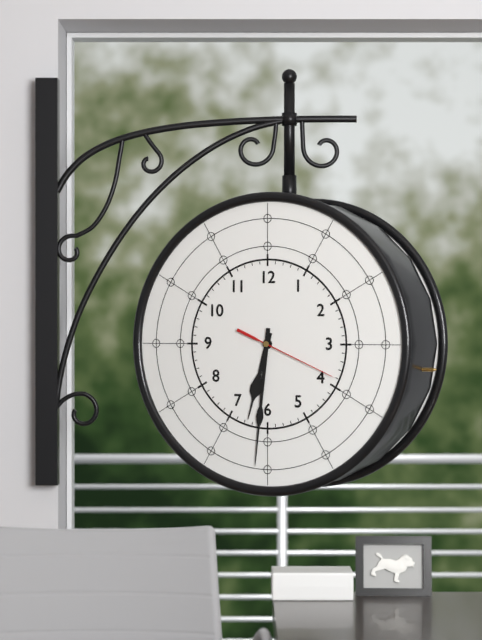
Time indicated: 6:31:19
